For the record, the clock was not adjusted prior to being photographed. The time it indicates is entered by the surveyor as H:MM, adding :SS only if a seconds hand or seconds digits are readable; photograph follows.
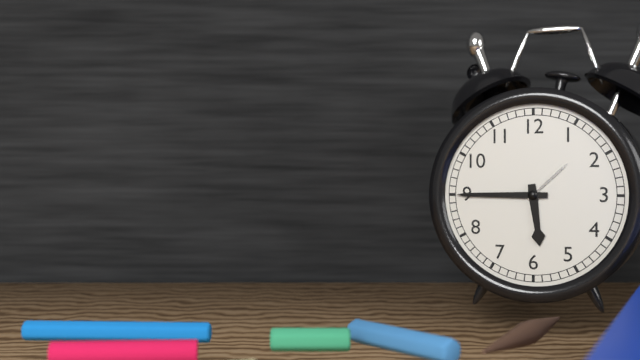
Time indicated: 5:45
